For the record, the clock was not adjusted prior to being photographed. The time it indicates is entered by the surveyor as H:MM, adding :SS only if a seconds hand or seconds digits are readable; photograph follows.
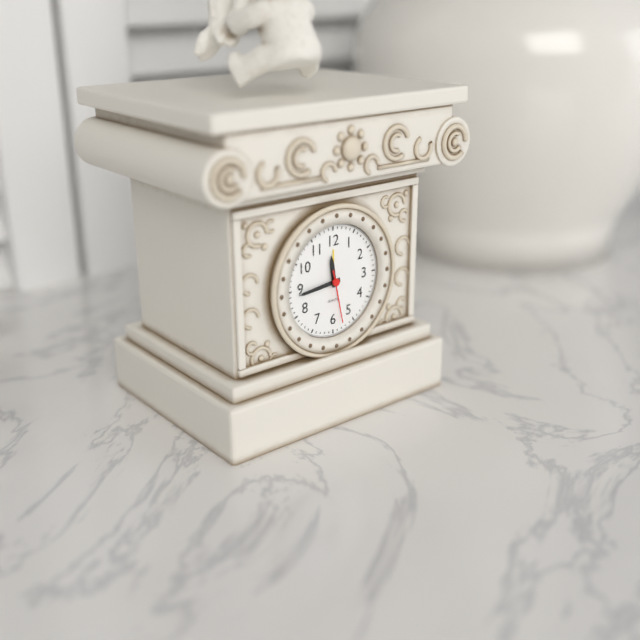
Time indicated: 11:44:28
